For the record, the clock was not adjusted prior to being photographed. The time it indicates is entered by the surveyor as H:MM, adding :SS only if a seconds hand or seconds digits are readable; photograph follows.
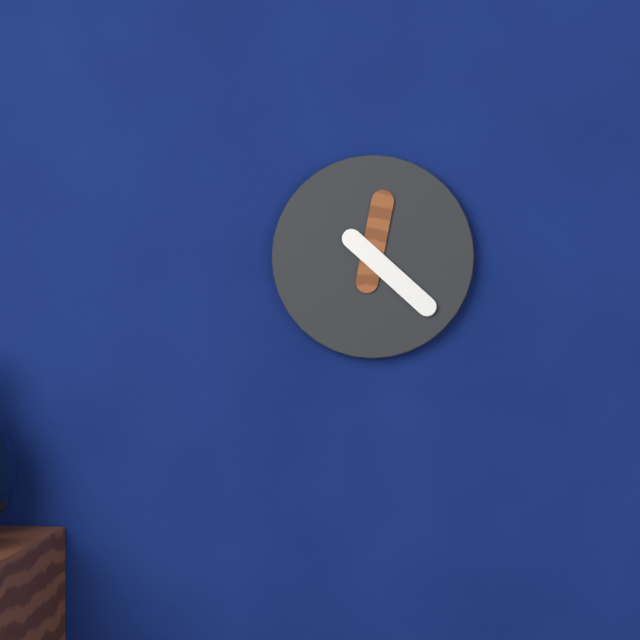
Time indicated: 12:22
